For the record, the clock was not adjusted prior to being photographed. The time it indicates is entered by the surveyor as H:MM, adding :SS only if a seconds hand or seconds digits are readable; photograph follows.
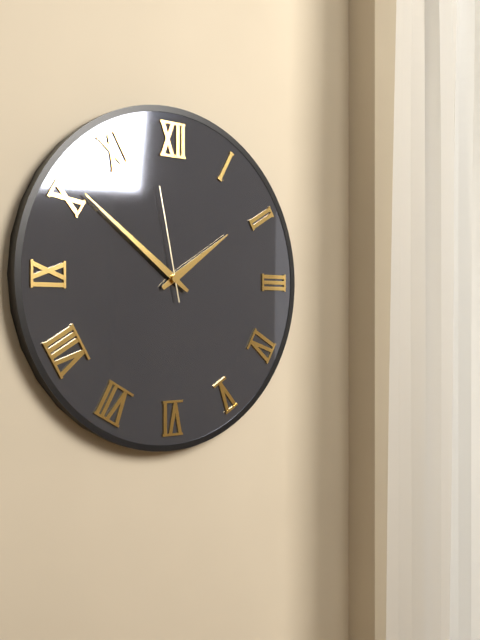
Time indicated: 1:51:58
